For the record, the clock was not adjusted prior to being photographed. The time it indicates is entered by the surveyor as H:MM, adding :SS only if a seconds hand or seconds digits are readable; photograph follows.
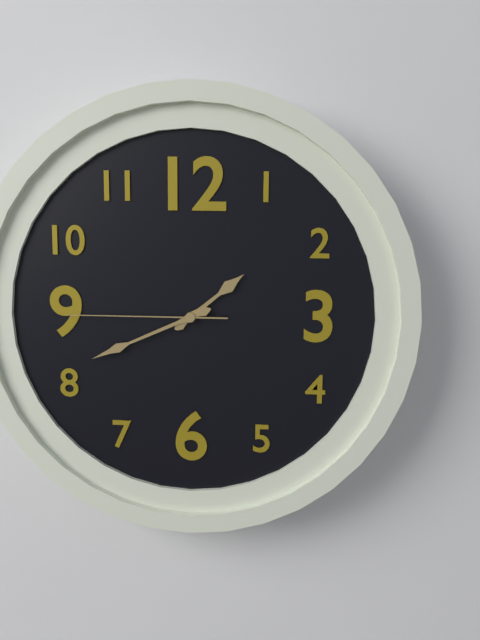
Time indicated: 1:41:45
